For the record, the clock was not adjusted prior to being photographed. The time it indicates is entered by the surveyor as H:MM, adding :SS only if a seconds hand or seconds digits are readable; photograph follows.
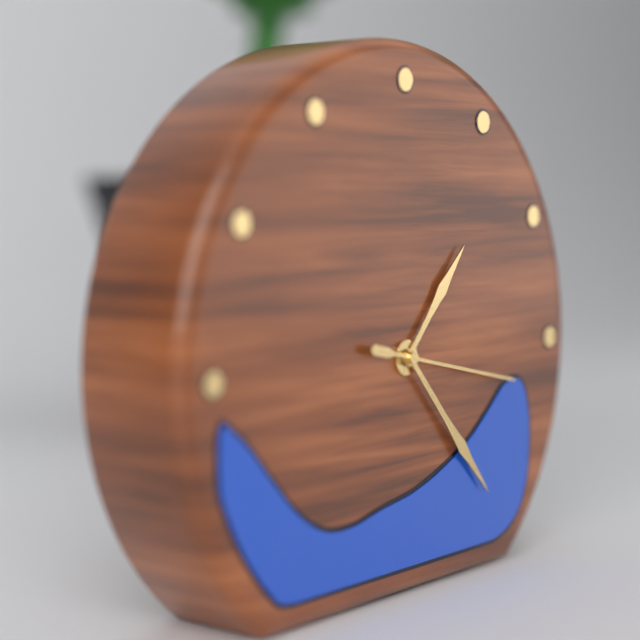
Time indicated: 1:23:17
